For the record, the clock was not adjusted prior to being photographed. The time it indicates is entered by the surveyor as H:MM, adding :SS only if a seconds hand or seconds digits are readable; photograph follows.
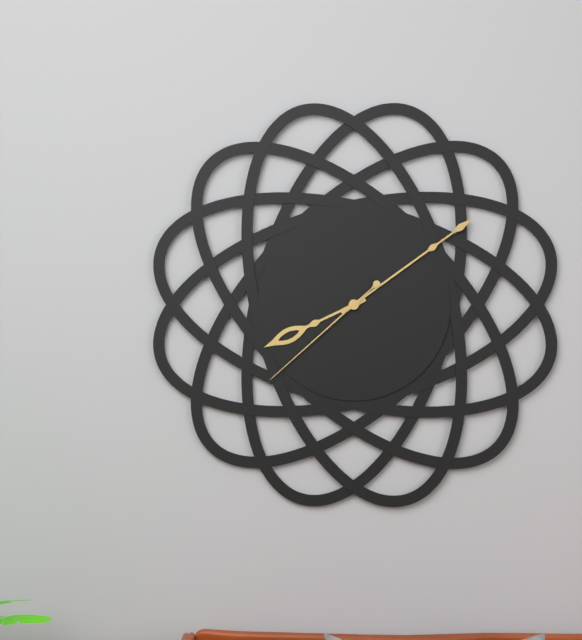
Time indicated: 8:09:38
